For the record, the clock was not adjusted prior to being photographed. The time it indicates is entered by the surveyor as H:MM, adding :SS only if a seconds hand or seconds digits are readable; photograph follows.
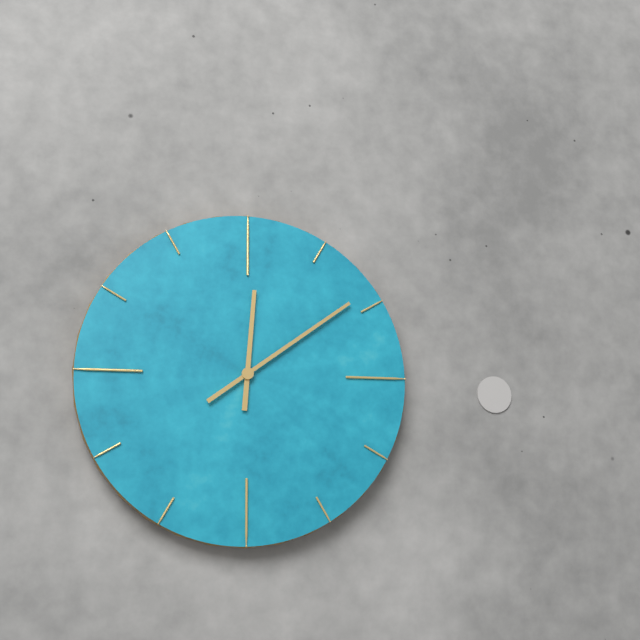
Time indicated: 12:09
